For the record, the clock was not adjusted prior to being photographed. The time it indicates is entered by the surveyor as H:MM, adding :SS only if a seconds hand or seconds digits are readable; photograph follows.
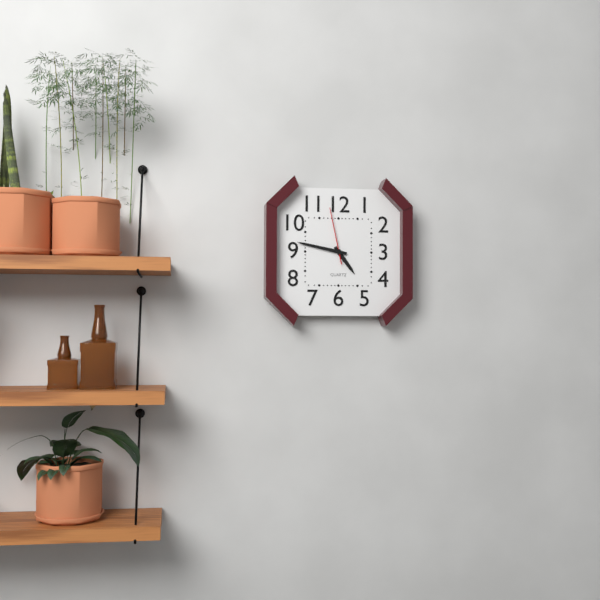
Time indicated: 4:47:58
